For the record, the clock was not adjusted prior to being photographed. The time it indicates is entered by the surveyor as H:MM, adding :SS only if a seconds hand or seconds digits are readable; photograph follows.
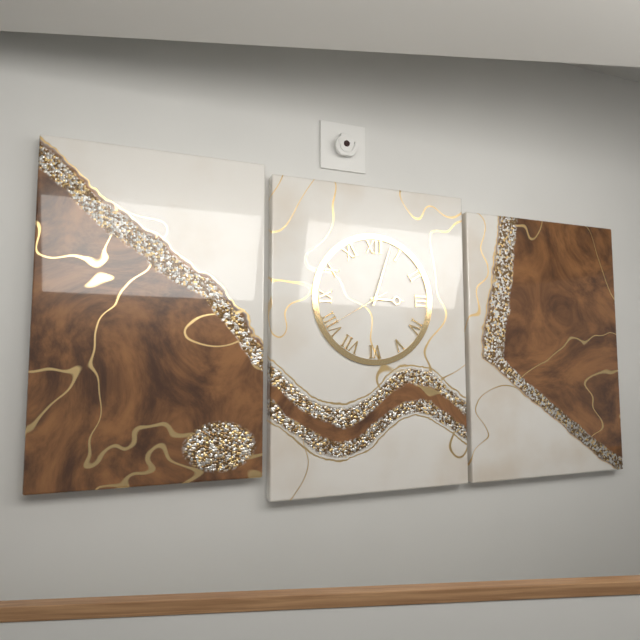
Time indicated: 3:03:40
